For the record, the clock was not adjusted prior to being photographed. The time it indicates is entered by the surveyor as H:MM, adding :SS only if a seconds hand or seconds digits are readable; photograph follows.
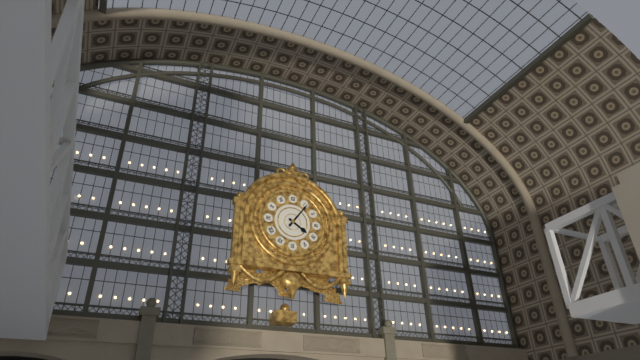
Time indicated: 4:06
